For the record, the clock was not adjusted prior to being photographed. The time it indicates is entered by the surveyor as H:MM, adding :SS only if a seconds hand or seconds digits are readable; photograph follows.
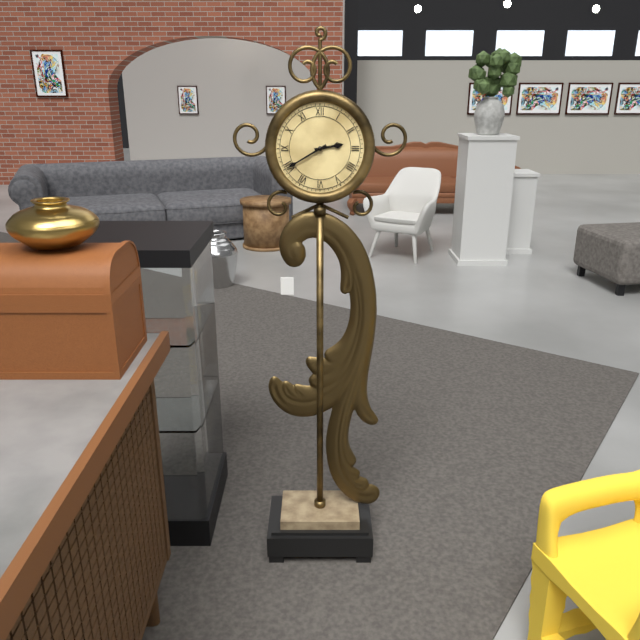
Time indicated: 2:40
